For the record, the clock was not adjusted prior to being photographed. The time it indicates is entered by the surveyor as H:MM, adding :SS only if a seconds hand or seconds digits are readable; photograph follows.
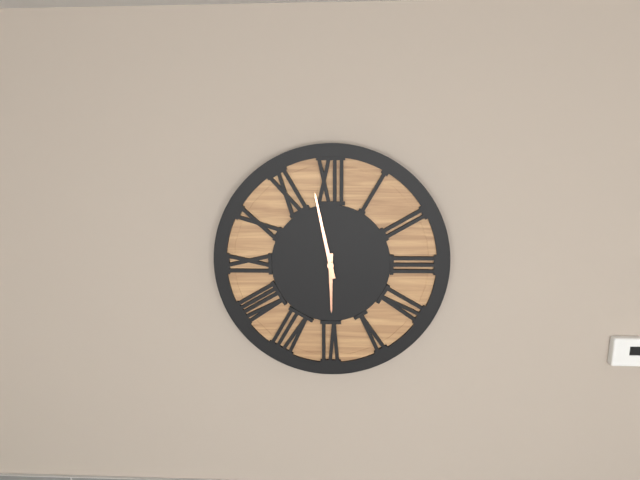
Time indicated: 5:58
